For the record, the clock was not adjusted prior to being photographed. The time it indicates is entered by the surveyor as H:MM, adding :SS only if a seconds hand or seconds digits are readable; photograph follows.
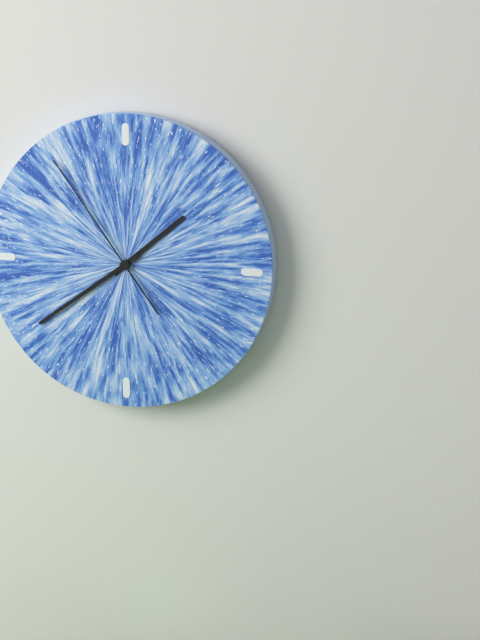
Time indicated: 1:39:54
